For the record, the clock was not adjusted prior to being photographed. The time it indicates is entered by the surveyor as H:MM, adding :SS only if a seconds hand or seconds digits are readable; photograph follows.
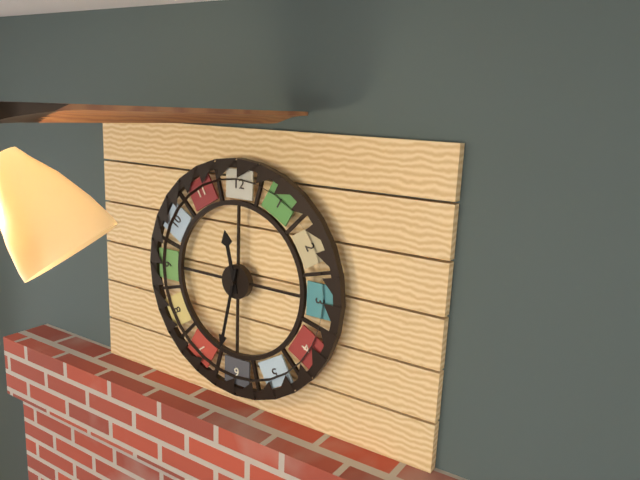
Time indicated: 11:32
